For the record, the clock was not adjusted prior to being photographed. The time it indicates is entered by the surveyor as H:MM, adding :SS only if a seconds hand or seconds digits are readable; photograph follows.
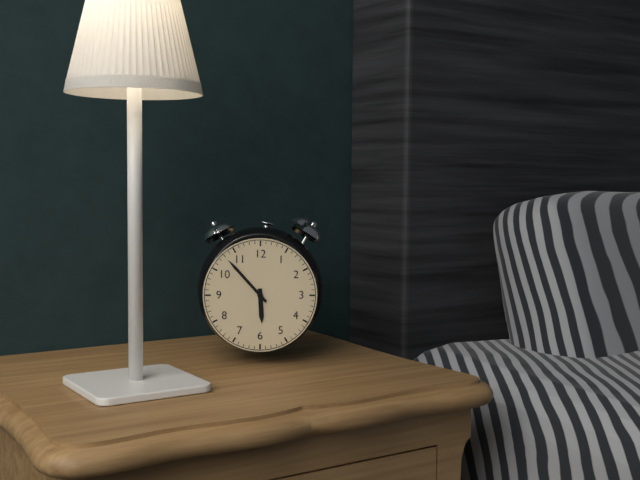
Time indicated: 5:53
